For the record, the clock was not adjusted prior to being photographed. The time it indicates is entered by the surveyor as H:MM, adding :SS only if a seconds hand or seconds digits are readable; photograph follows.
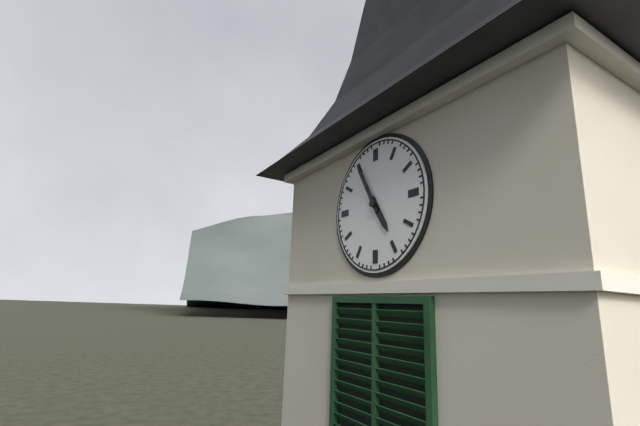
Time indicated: 4:55
